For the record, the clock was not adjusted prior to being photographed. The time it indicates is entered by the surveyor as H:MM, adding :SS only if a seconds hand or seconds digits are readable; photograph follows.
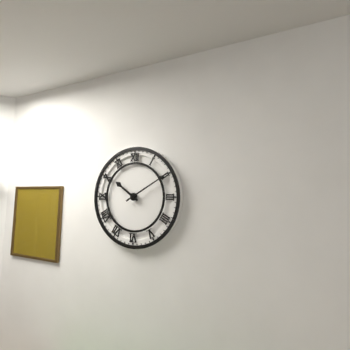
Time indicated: 10:10
